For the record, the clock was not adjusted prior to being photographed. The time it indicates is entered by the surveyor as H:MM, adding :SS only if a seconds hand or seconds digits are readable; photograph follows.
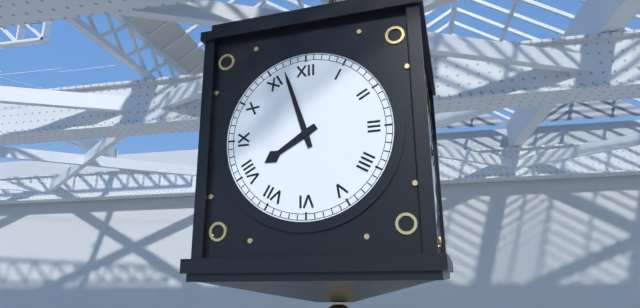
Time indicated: 7:57
